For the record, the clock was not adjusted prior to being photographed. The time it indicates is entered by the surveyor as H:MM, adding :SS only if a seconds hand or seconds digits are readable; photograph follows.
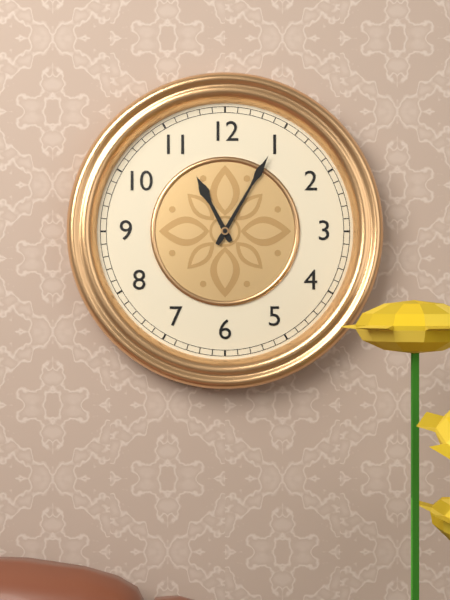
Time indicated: 11:05
